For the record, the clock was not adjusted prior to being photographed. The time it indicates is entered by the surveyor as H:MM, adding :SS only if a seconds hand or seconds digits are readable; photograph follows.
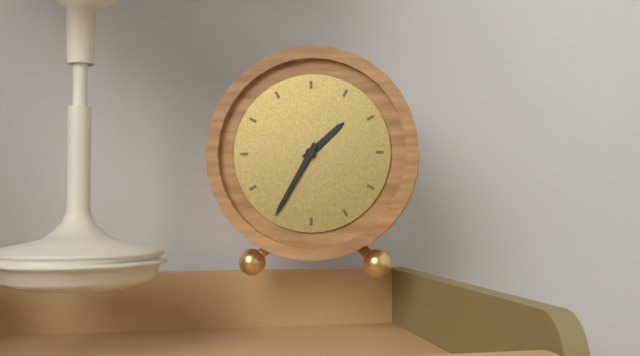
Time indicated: 1:35
